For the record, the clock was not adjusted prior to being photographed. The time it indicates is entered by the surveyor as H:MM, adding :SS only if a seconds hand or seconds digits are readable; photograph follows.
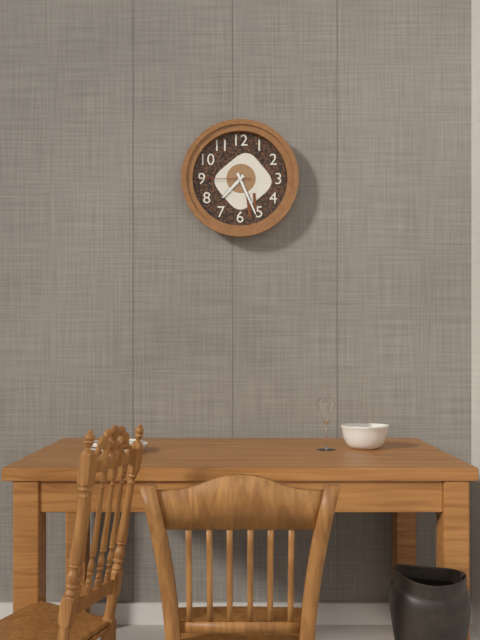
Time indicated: 7:26:45
